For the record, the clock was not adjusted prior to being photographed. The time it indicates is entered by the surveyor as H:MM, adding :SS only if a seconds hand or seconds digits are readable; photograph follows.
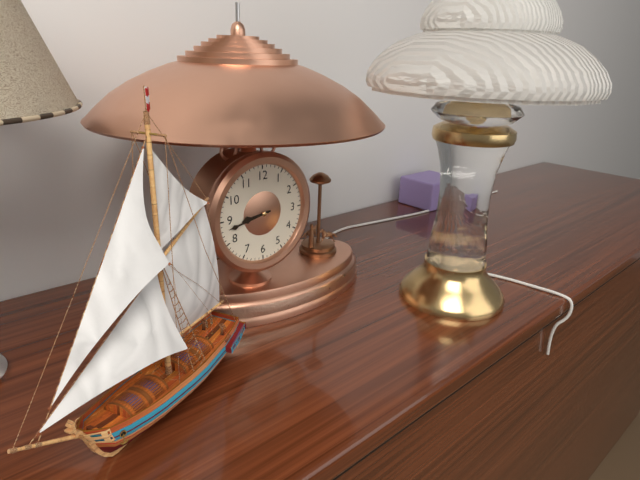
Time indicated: 8:43
